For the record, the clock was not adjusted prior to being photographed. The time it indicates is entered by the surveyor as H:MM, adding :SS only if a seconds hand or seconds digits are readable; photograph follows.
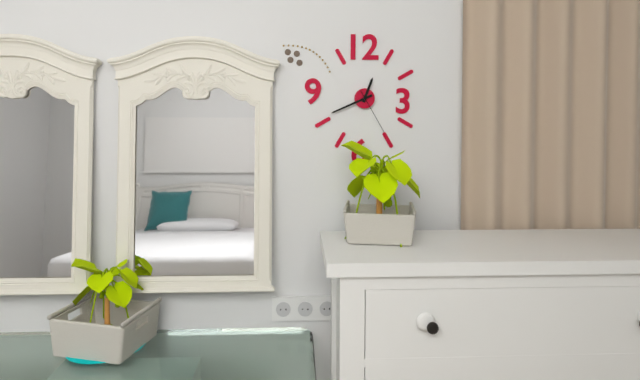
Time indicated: 12:41
